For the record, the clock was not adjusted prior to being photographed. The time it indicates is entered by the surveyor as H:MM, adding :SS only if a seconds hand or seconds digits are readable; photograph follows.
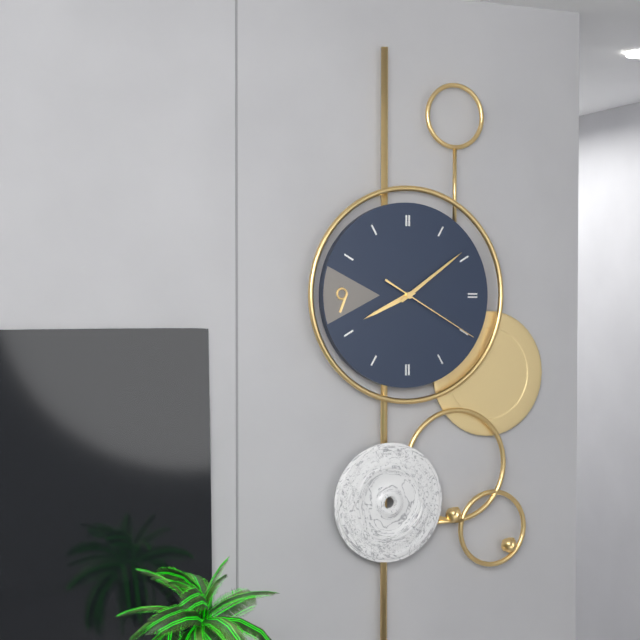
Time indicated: 8:09:20
